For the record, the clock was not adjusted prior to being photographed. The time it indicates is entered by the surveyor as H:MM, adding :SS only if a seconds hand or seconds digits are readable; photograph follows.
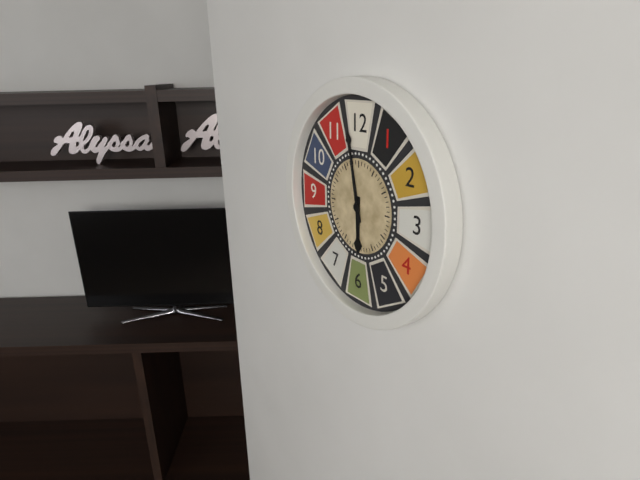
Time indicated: 5:58
